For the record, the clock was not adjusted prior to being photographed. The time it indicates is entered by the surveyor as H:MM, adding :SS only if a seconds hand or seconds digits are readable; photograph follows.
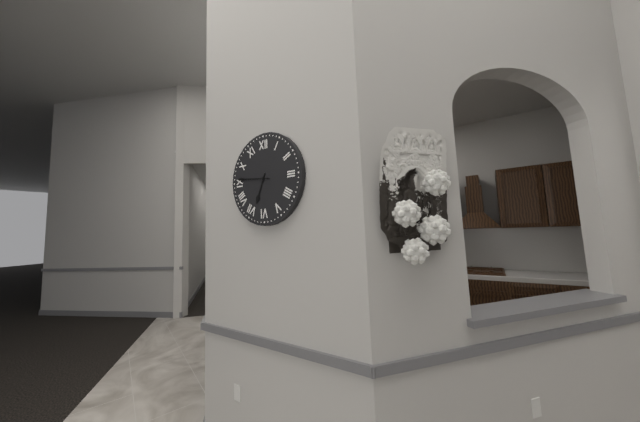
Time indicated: 6:46
